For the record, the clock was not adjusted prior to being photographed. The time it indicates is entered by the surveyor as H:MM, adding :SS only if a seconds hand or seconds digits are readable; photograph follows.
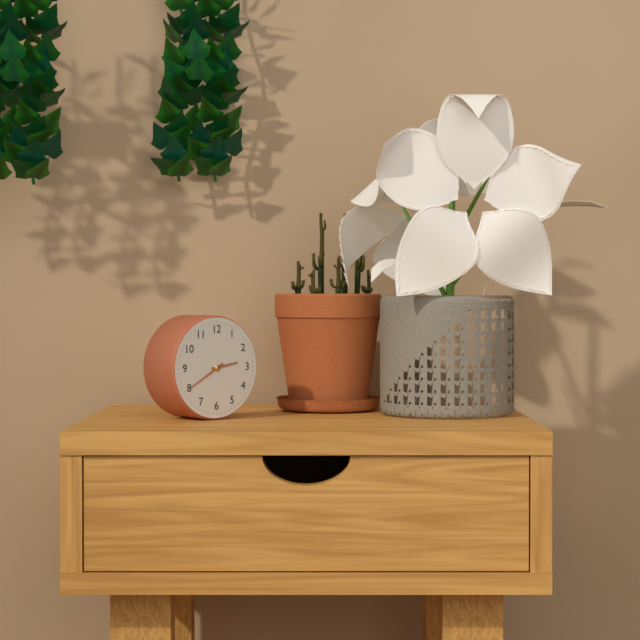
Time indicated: 2:40
